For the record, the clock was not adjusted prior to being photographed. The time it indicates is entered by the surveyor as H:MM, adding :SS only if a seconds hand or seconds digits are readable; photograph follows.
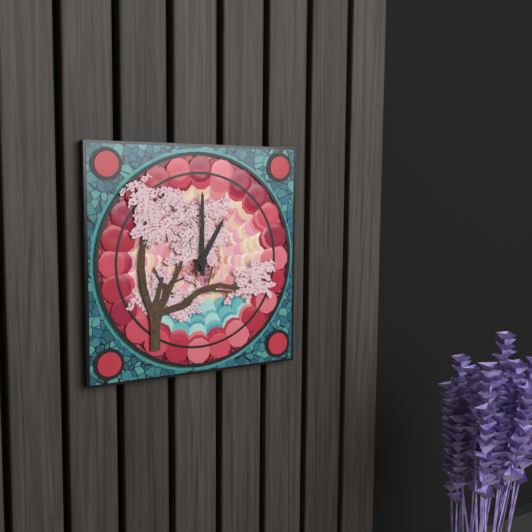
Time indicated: 1:00
